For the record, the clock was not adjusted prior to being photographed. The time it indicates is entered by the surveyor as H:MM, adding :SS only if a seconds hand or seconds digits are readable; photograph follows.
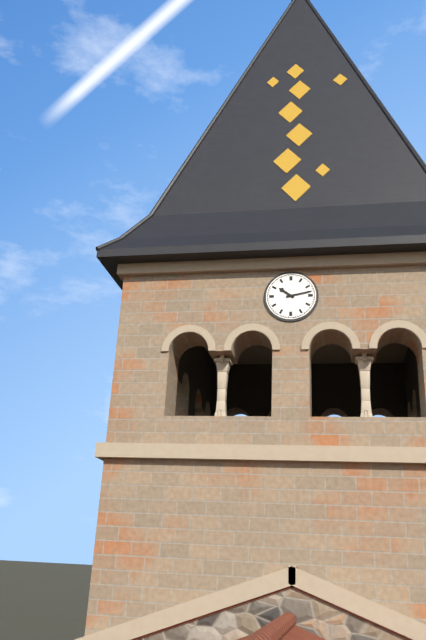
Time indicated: 10:13
